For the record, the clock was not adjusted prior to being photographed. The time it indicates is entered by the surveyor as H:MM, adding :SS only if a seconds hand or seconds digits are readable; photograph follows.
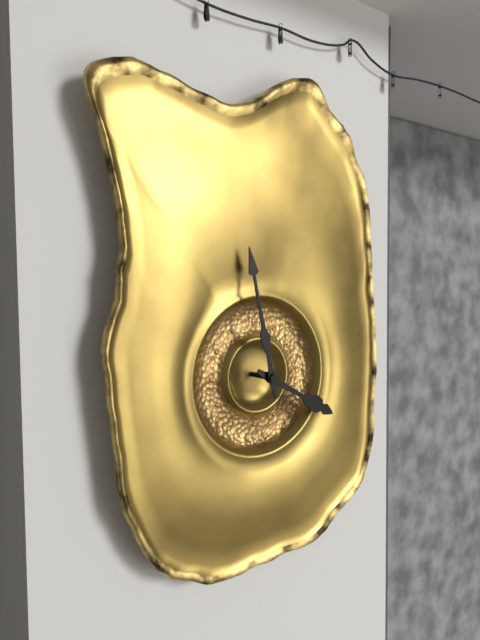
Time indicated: 3:58
